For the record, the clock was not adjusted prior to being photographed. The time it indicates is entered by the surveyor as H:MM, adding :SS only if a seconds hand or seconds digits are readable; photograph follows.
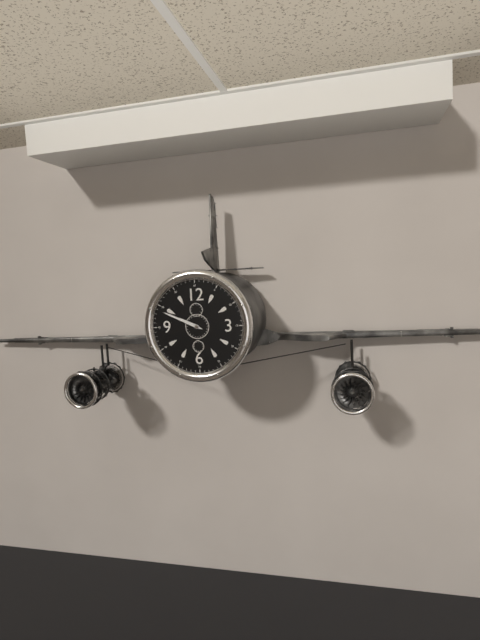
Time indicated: 9:49
